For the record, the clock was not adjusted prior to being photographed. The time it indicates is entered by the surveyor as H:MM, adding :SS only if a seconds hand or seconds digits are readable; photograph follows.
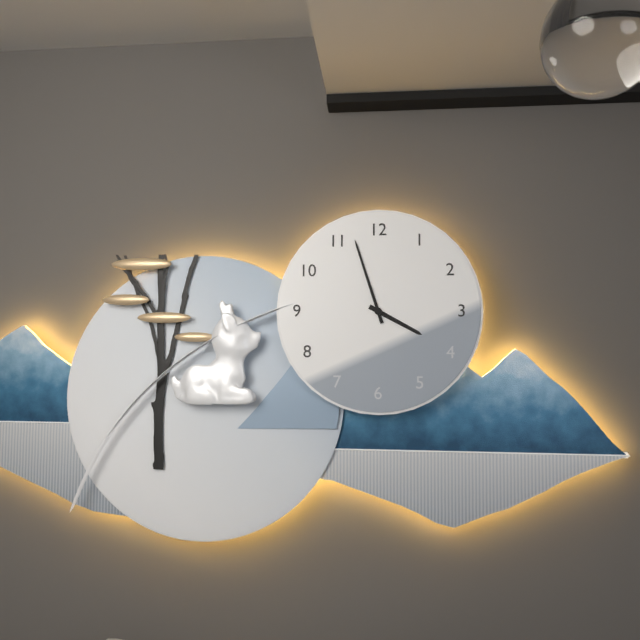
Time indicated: 3:57
